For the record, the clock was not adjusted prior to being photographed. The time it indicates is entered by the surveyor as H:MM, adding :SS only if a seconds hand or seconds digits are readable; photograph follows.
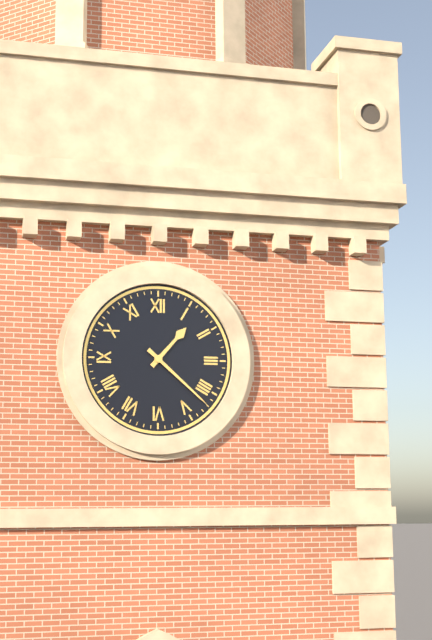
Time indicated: 1:22
